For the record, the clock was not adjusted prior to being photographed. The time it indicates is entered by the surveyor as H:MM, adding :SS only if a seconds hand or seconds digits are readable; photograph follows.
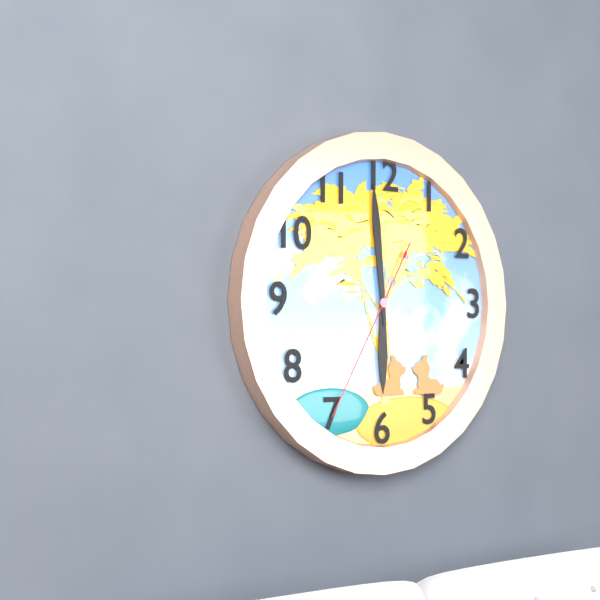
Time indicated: 5:59:35
